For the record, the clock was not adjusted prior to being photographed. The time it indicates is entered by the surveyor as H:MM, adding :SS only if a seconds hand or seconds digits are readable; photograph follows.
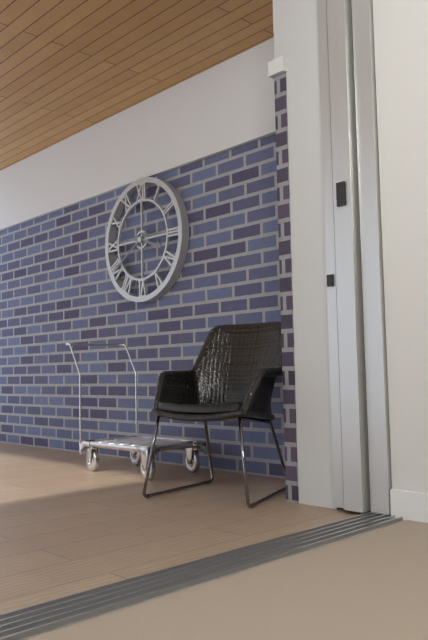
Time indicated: 3:40
